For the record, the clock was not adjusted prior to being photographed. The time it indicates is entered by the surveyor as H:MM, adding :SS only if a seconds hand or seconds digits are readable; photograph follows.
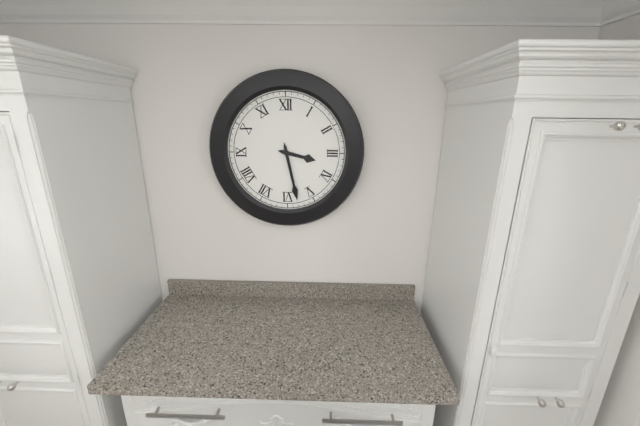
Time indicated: 3:28
